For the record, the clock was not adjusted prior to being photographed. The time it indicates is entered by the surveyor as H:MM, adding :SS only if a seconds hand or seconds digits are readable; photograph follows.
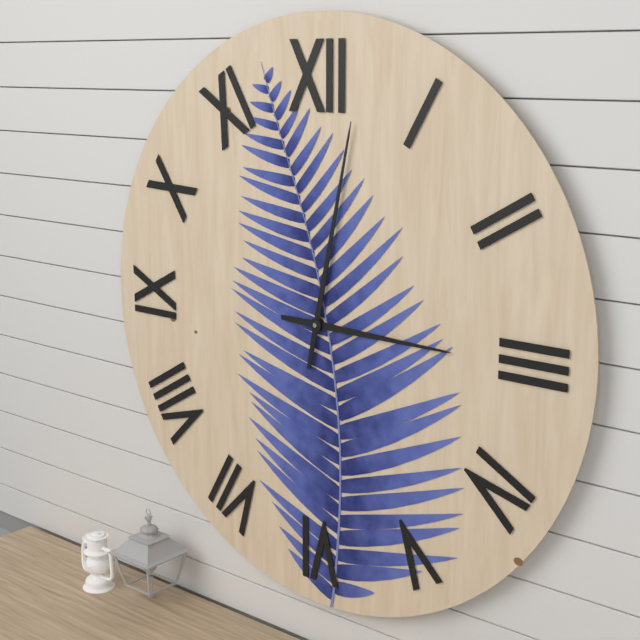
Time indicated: 3:02
